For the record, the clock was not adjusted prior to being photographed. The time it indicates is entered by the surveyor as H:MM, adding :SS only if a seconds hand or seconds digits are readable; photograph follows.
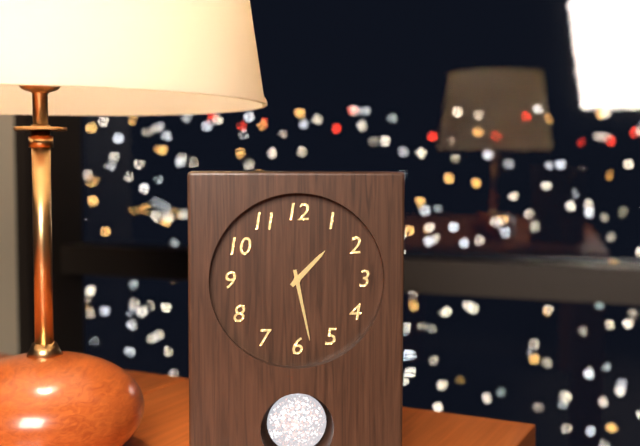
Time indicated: 1:28
